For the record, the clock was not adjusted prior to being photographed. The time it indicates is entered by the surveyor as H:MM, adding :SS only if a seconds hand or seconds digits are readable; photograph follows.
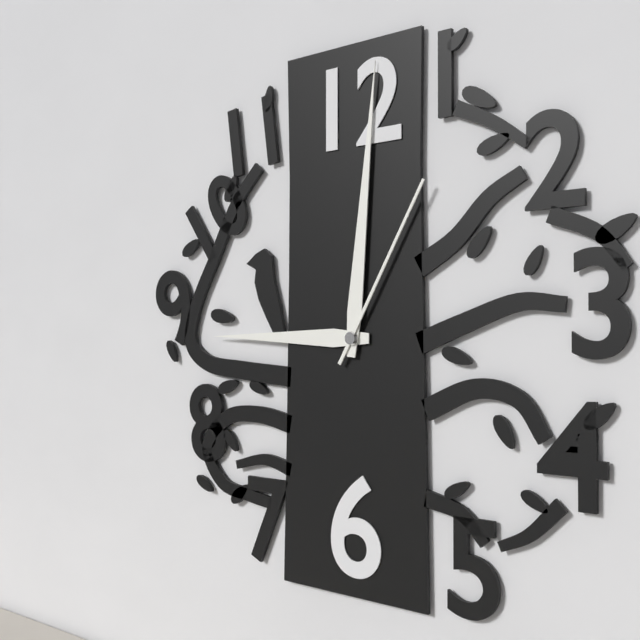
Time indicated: 9:01:05
